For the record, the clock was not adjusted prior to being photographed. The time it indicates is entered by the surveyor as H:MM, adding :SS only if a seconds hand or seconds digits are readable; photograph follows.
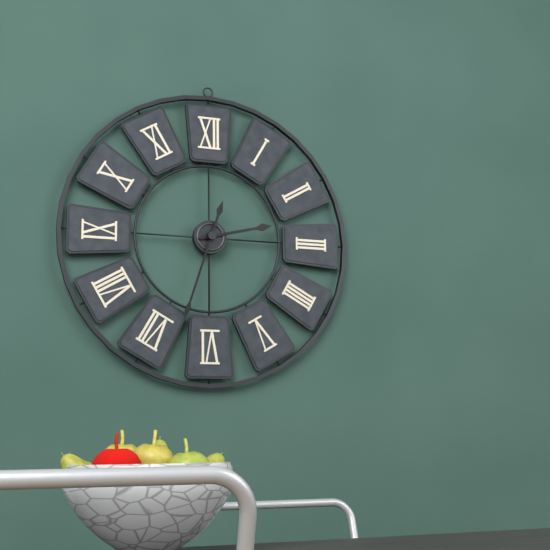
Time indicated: 2:33
